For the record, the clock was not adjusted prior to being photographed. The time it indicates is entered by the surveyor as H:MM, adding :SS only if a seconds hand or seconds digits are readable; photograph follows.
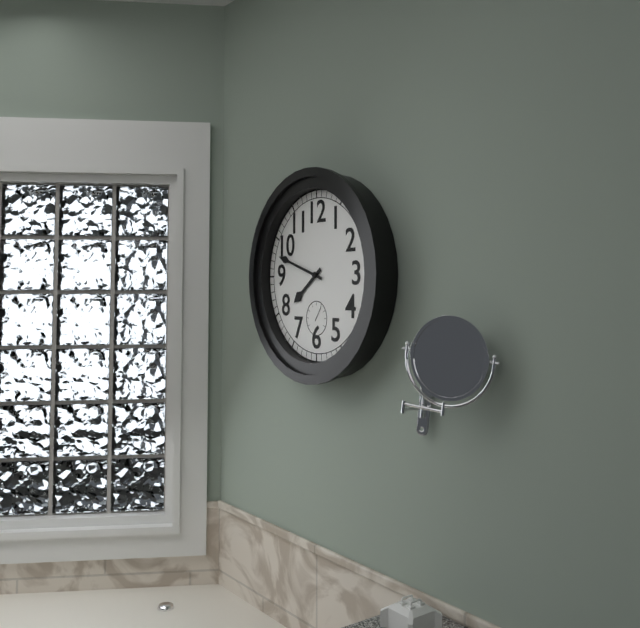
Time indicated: 7:48
